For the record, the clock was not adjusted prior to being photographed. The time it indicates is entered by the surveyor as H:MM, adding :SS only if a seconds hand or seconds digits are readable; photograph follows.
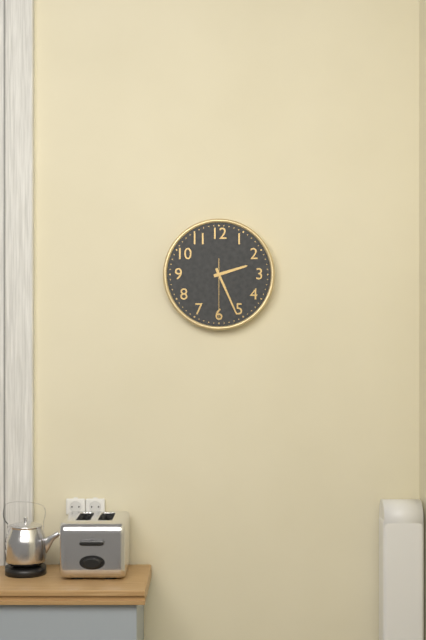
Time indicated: 2:26:30
